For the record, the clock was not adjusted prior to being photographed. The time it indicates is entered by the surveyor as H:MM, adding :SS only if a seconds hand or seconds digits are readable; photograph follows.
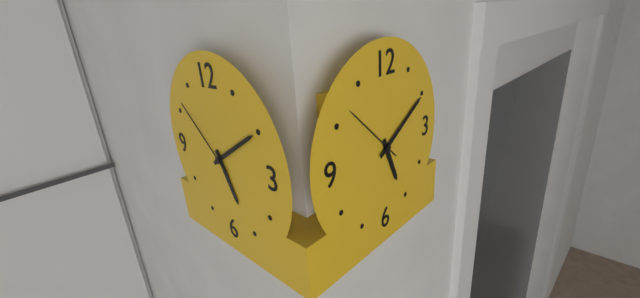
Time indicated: 5:10:52
